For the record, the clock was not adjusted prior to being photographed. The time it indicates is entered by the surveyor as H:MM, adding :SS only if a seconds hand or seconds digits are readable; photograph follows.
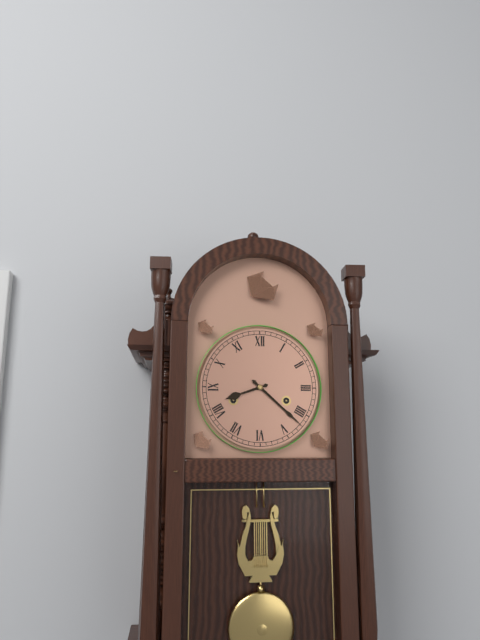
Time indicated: 8:22
